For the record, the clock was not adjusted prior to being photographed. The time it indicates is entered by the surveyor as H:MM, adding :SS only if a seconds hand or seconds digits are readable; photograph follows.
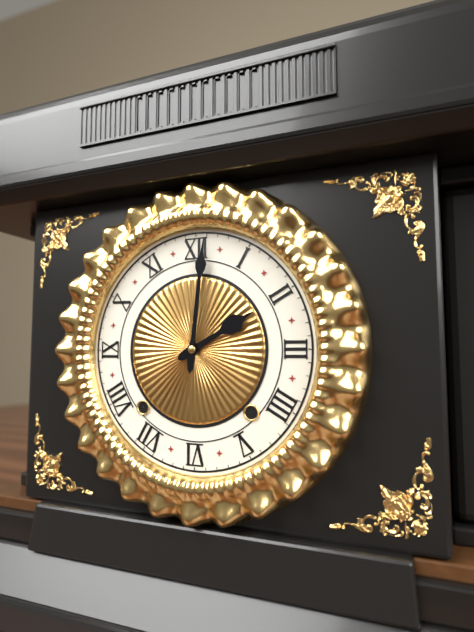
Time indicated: 2:01
